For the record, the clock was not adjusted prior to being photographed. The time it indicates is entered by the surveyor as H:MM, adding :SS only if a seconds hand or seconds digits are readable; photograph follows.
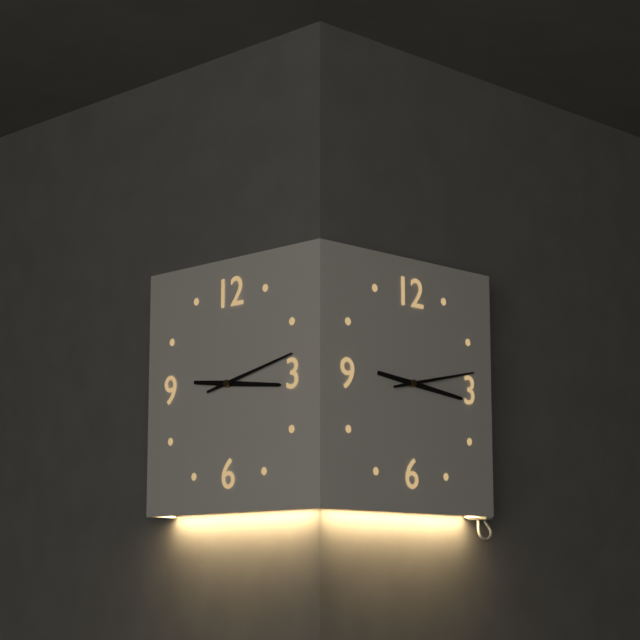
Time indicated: 3:13
